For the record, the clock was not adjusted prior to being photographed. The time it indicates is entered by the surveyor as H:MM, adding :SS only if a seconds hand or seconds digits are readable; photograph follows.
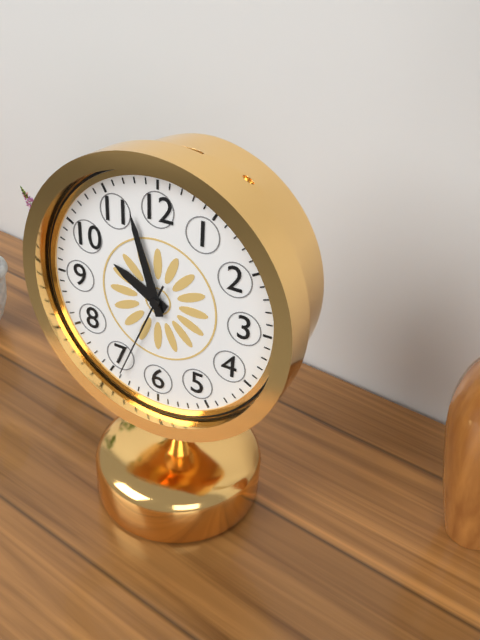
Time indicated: 9:57:34
